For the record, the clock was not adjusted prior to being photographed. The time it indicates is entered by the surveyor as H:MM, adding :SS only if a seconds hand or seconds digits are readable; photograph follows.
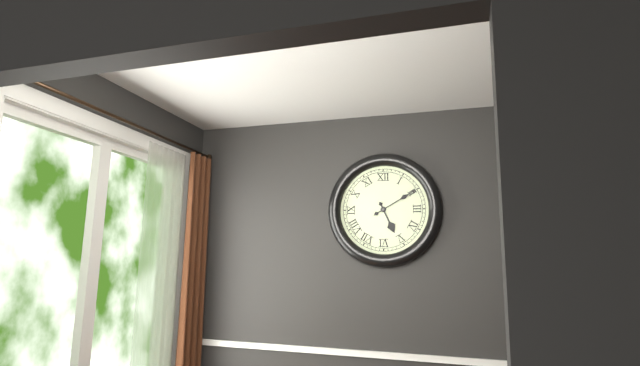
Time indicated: 5:10
